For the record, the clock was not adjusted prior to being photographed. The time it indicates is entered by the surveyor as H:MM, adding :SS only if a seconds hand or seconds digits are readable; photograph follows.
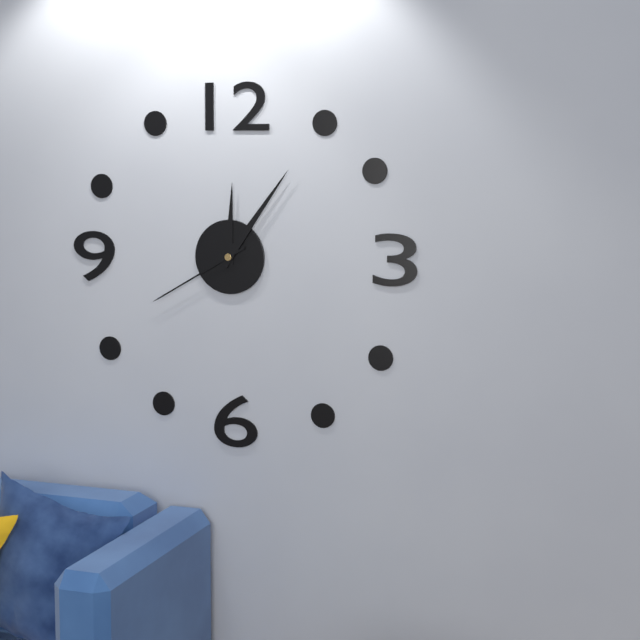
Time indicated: 12:06:40
